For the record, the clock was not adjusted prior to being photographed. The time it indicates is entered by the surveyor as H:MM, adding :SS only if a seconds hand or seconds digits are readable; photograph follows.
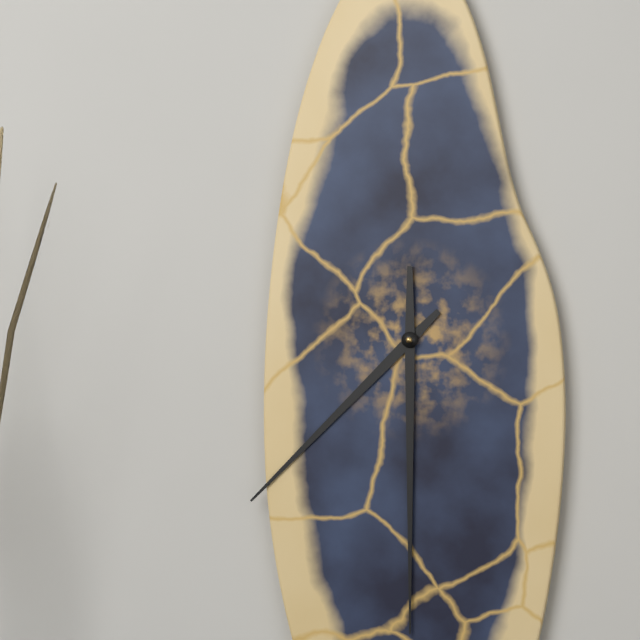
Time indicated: 7:30
